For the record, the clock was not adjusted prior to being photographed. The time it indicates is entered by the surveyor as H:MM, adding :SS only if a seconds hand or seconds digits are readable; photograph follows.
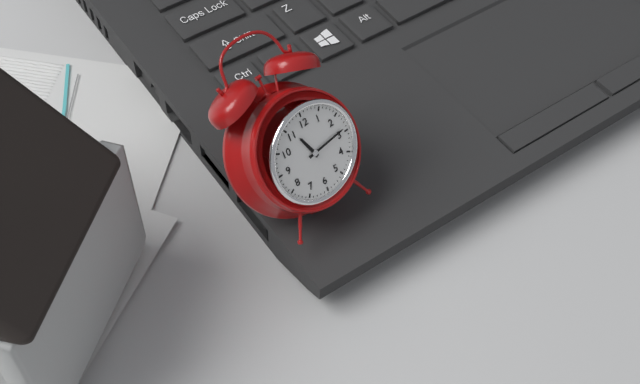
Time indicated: 11:14
